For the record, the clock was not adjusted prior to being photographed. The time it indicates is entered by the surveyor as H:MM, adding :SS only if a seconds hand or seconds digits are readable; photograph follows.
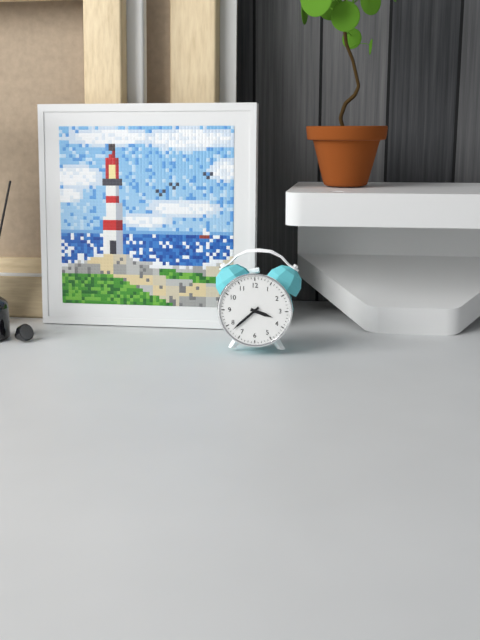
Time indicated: 3:38
